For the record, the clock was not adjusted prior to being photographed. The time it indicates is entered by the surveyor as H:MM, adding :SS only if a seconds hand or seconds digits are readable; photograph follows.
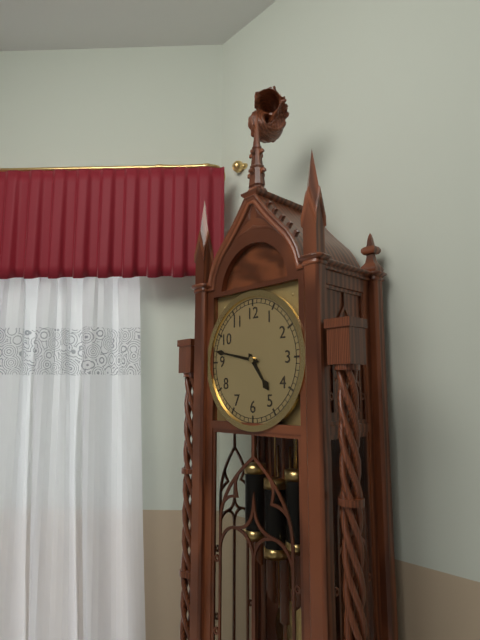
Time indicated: 4:47
